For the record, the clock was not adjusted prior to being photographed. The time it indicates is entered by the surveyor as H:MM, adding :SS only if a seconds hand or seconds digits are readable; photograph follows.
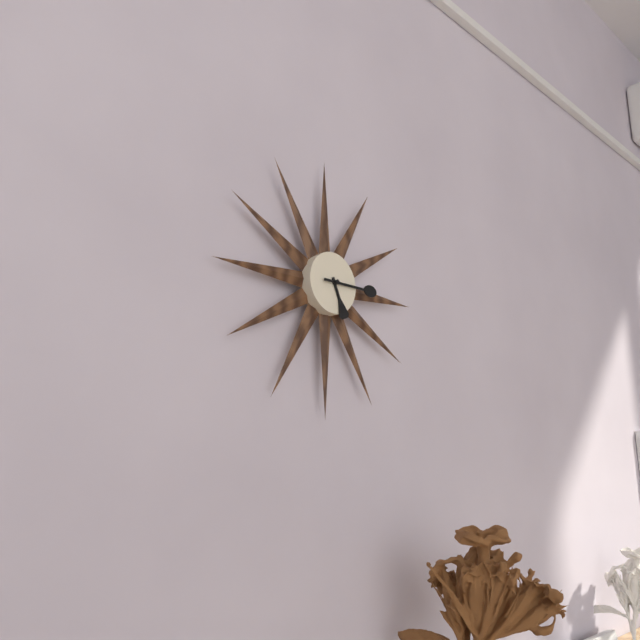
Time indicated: 5:15
